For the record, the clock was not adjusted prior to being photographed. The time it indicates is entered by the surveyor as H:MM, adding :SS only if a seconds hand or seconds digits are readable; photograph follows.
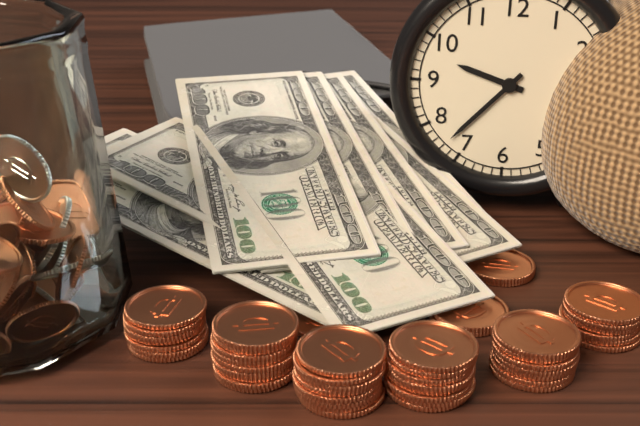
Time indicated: 9:37
